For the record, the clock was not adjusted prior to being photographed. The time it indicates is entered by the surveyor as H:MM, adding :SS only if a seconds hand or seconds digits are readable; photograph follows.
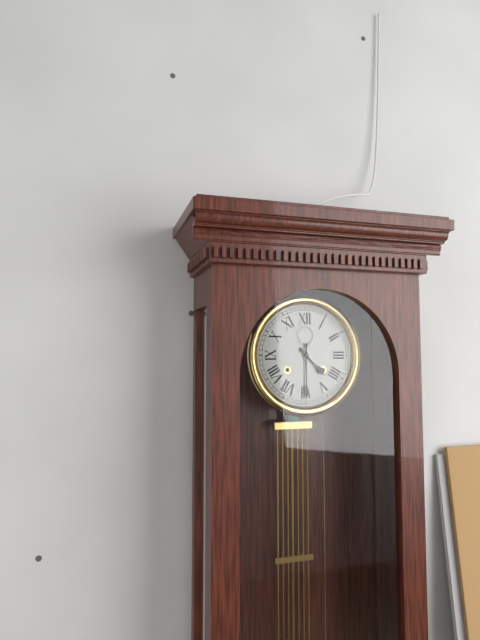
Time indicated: 4:30
